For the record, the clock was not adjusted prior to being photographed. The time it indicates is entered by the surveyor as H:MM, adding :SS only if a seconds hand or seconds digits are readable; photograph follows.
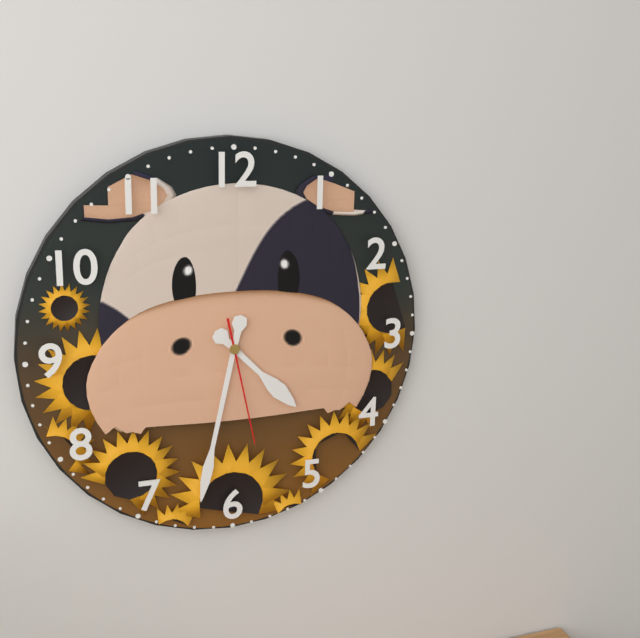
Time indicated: 4:32:28
